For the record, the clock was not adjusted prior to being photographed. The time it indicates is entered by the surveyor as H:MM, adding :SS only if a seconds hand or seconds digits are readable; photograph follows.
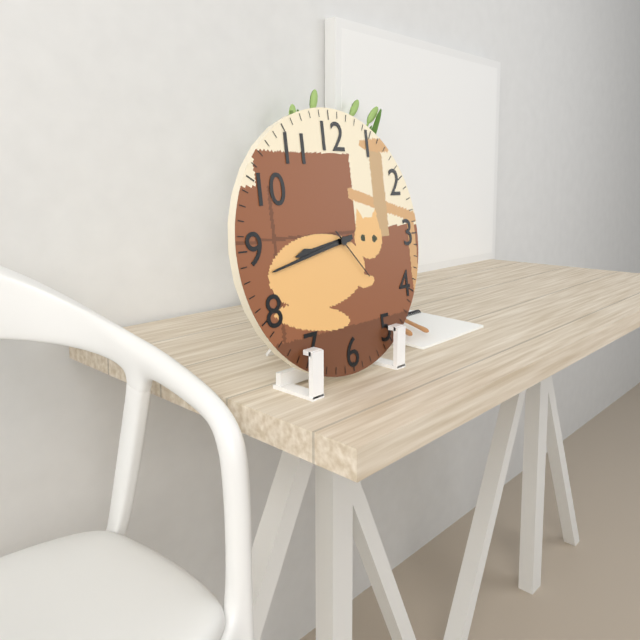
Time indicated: 8:43:23
